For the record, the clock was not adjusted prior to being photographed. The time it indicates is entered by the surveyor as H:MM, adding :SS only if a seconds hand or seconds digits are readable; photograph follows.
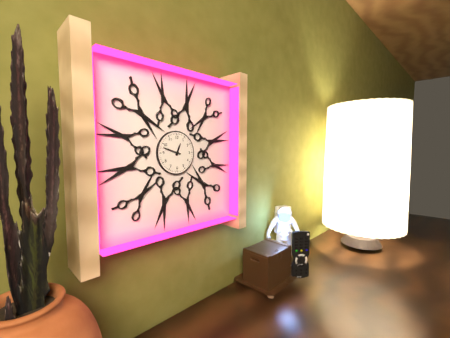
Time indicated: 12:48
